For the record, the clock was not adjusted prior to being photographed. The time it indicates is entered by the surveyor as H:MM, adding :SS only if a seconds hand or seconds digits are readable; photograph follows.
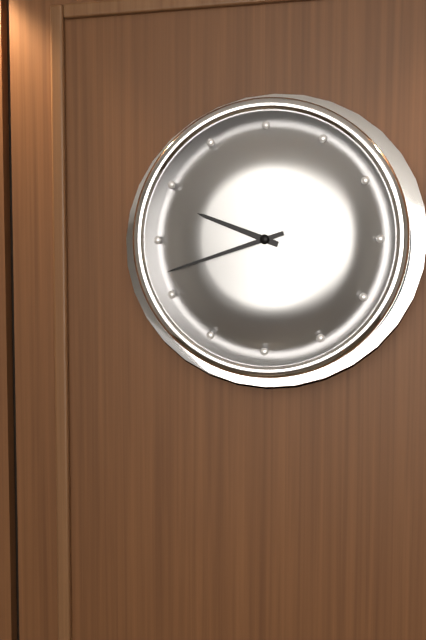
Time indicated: 9:42
